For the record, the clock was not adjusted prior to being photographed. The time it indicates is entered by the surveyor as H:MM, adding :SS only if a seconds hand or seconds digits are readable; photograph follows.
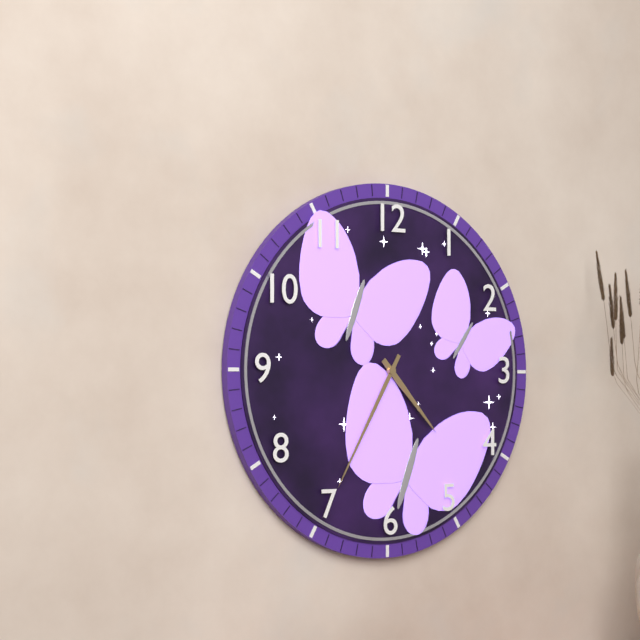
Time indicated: 4:35
